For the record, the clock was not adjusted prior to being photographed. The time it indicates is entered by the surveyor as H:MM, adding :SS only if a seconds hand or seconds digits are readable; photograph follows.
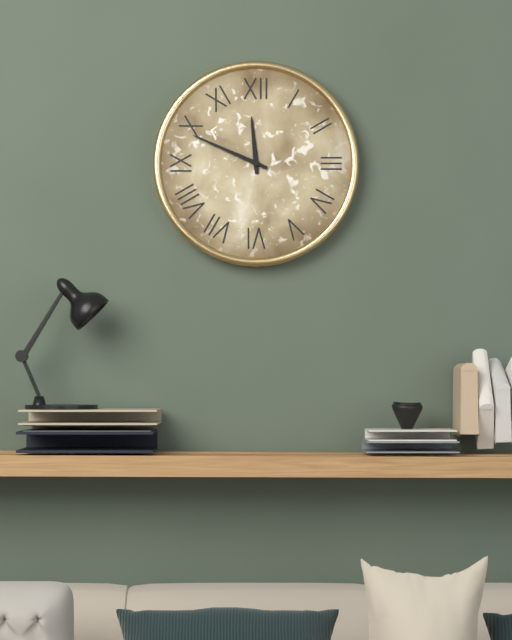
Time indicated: 11:49
